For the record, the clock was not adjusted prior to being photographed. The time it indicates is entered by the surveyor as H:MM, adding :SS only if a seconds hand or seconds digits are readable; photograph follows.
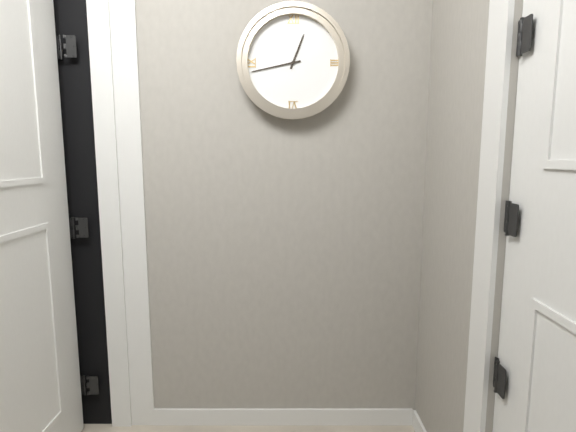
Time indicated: 12:43
